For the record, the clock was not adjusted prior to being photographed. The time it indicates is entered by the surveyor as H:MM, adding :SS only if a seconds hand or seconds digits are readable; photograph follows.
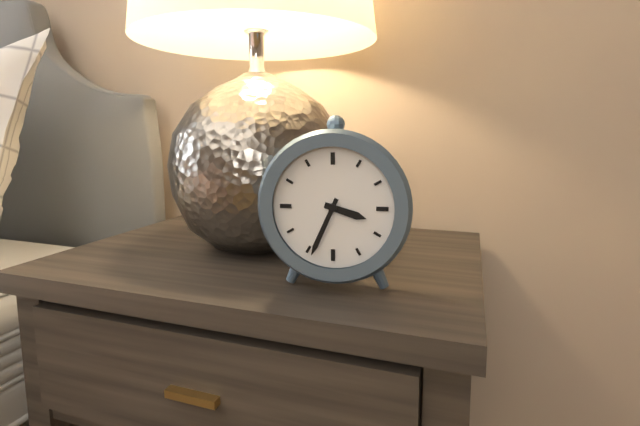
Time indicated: 3:34
